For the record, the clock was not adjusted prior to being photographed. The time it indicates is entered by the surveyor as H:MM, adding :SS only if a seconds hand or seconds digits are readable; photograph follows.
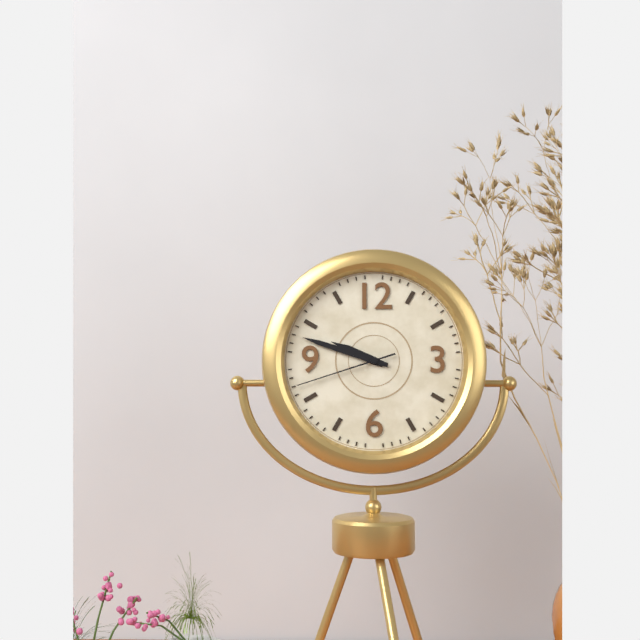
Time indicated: 9:48:42
